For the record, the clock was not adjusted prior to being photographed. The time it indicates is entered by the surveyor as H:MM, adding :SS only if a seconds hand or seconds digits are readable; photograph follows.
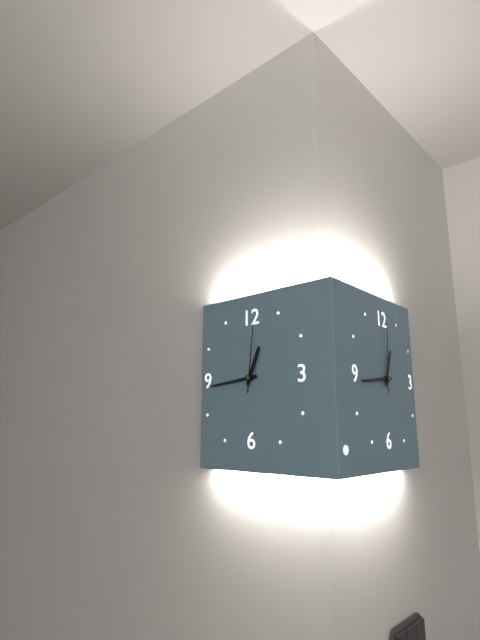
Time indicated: 12:44:01
